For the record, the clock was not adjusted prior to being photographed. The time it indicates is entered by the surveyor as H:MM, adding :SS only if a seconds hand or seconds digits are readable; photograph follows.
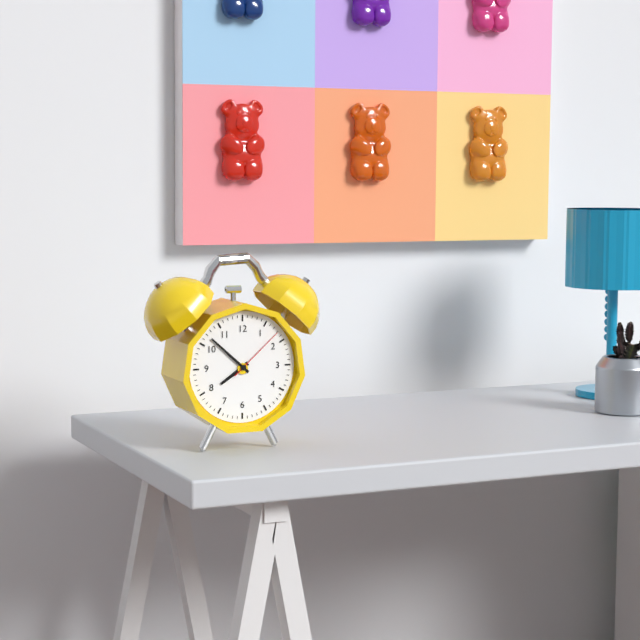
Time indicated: 7:52:08
